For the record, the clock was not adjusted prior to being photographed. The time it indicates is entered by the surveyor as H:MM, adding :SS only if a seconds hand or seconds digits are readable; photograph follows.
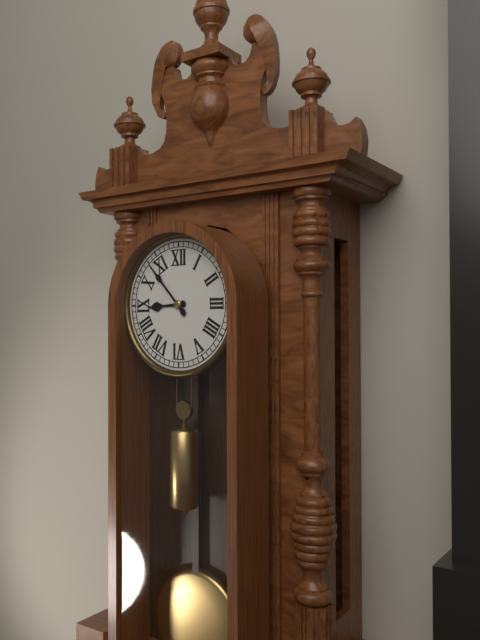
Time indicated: 8:53
